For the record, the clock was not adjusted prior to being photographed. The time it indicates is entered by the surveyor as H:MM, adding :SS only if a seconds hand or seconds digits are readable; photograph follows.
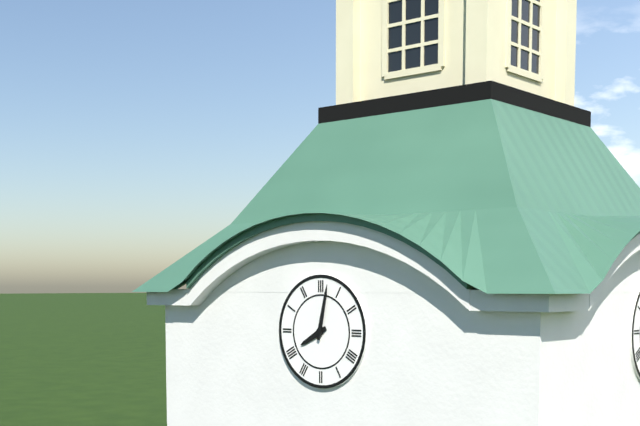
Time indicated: 8:02
